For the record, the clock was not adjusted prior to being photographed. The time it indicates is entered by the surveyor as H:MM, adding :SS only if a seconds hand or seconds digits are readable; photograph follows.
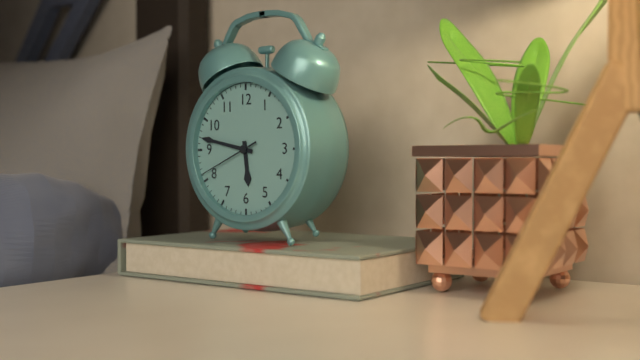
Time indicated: 5:47:41
